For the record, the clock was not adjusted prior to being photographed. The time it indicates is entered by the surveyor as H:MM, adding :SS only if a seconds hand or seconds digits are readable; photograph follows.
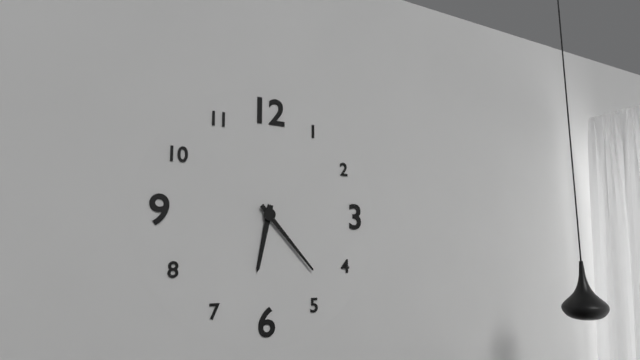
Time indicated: 6:23
